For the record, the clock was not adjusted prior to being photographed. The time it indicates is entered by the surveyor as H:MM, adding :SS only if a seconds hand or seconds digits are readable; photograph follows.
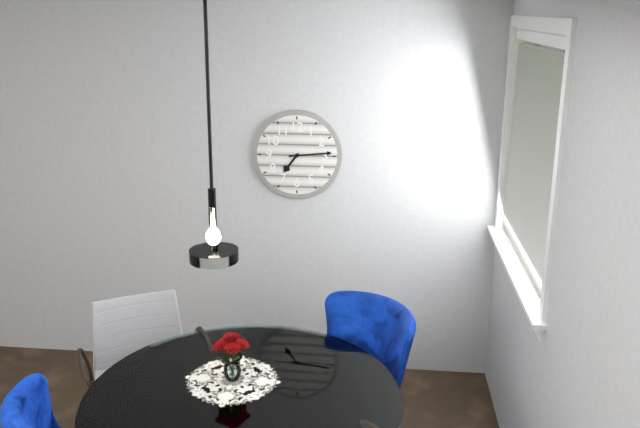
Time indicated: 7:14
